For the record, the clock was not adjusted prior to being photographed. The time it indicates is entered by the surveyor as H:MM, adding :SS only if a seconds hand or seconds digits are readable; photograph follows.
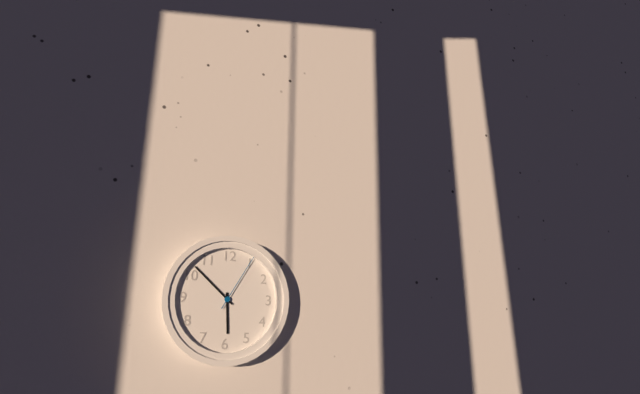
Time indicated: 5:52:05
